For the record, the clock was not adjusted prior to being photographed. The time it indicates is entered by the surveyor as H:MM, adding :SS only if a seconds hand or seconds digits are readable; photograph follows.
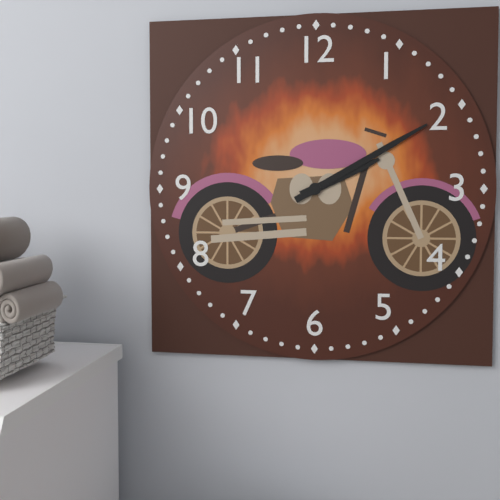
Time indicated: 2:10
